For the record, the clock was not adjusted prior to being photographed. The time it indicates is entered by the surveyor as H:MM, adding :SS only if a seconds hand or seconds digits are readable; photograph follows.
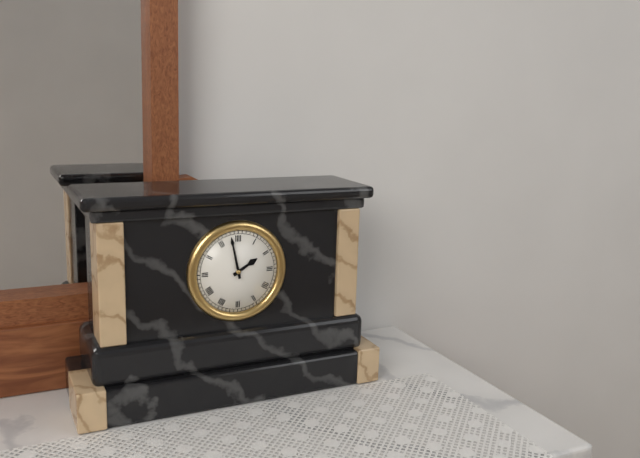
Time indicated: 1:58
